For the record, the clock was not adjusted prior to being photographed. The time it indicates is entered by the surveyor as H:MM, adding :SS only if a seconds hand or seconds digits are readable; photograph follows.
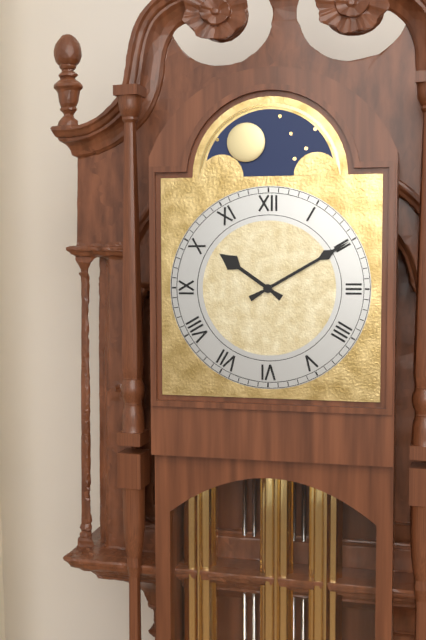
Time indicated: 10:10
